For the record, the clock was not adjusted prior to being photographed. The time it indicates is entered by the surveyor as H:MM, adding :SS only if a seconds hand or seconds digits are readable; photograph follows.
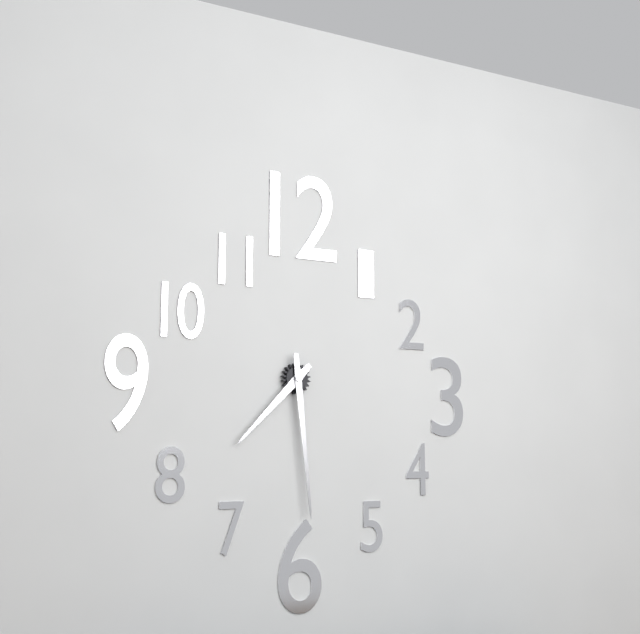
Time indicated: 7:29
